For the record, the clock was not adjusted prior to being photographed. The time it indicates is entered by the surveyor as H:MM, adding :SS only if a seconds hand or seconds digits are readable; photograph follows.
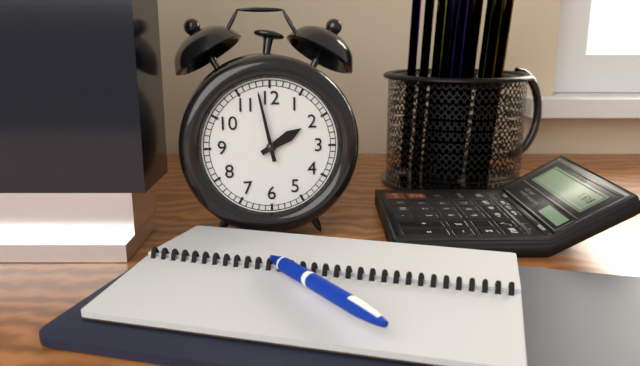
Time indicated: 1:58
